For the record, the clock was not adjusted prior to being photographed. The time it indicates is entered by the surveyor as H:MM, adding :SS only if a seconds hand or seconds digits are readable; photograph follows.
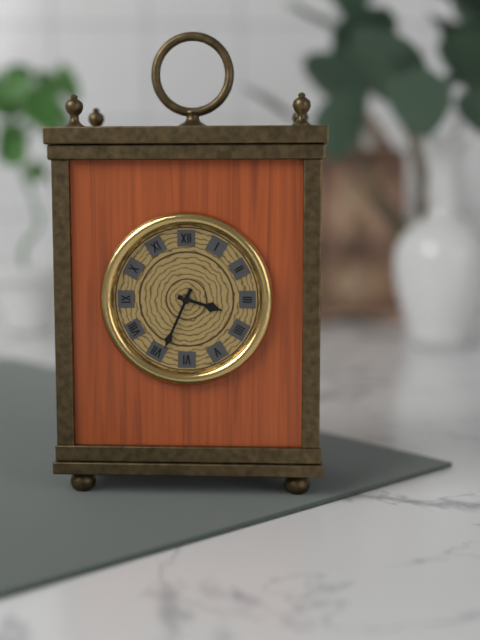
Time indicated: 3:34
